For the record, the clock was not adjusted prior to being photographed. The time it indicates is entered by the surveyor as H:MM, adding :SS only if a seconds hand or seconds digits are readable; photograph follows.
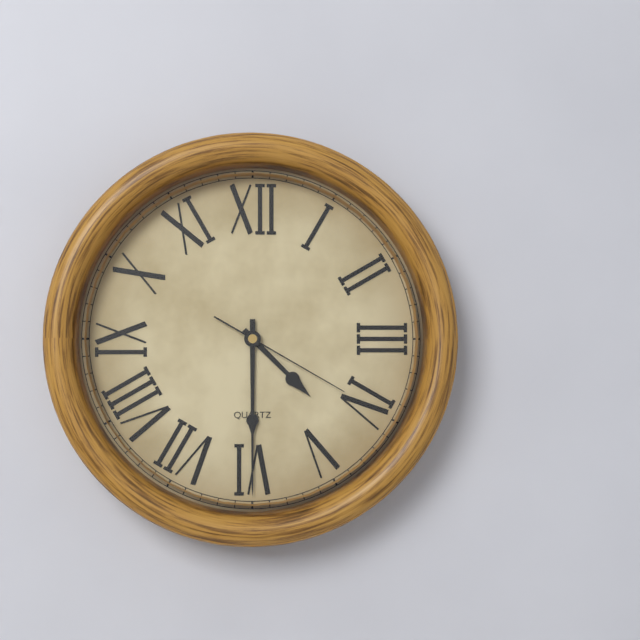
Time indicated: 4:30:20
